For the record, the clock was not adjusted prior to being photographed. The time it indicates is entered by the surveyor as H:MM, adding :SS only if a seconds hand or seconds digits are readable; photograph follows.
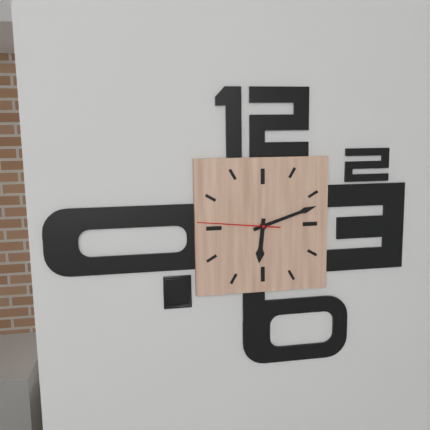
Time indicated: 6:12:46
